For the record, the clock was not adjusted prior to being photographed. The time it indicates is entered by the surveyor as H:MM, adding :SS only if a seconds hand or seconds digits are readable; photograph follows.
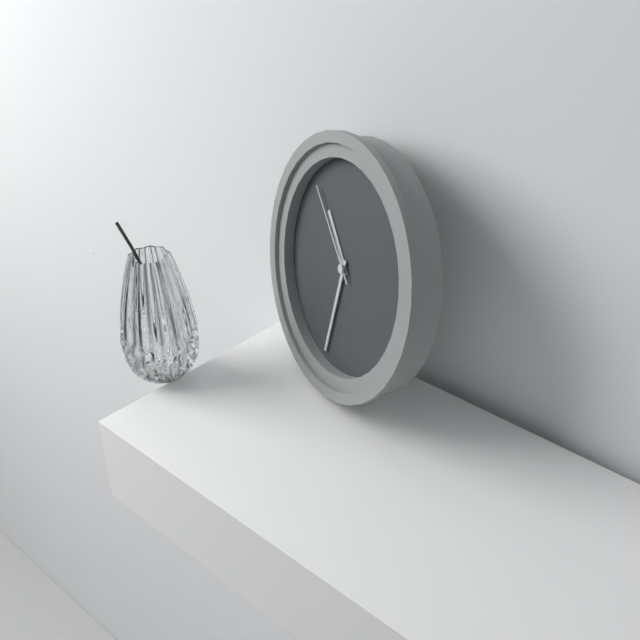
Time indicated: 10:31:52
